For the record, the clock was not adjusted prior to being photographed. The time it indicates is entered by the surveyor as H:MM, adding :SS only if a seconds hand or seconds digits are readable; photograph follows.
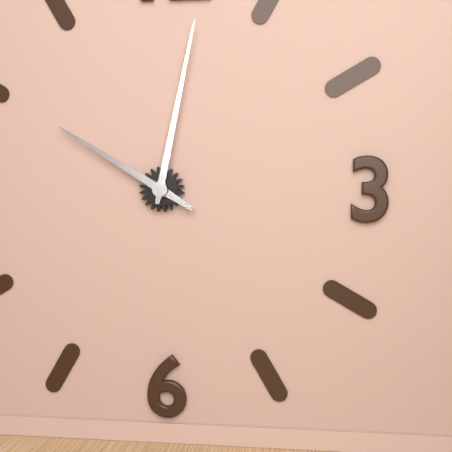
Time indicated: 10:02
